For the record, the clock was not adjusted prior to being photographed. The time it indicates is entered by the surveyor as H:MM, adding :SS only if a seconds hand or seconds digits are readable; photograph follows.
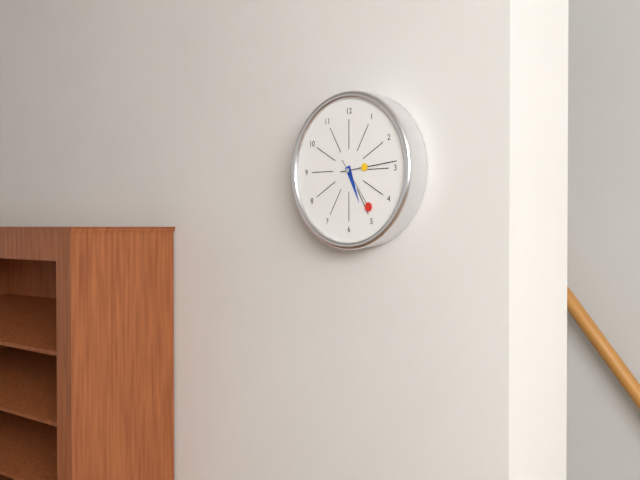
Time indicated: 5:14:24
